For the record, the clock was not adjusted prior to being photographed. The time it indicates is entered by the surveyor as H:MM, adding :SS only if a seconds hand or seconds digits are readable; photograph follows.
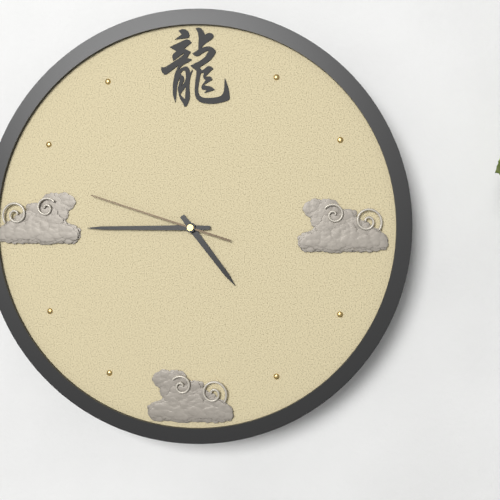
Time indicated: 4:45:48
